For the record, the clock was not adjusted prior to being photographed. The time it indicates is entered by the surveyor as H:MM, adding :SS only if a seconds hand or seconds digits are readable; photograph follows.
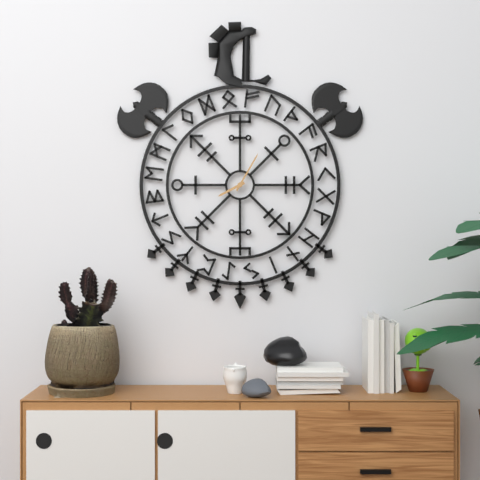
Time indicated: 8:05
